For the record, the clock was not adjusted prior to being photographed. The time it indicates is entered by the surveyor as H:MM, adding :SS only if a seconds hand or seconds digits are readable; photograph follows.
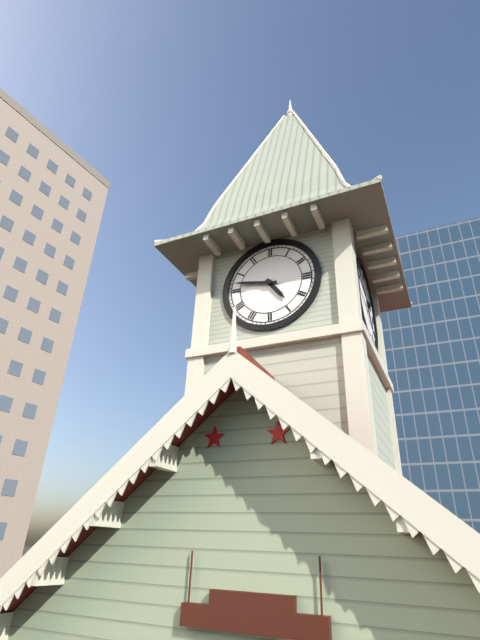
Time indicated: 4:47
